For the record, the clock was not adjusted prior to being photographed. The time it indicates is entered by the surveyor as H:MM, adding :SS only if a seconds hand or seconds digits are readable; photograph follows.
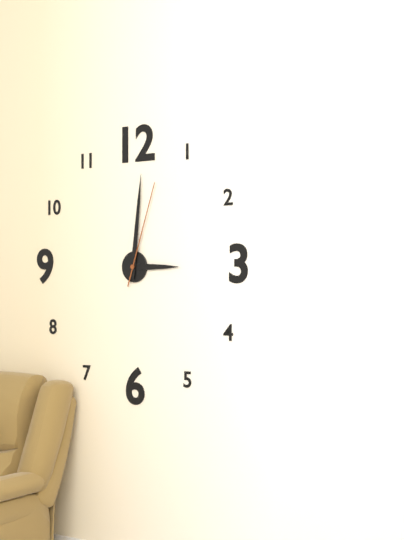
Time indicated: 3:01:03
